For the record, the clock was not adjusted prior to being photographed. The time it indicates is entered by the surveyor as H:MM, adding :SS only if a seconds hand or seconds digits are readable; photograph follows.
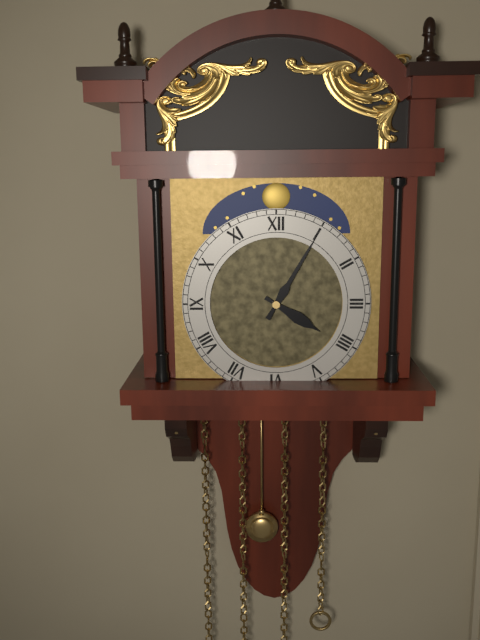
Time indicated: 4:05
